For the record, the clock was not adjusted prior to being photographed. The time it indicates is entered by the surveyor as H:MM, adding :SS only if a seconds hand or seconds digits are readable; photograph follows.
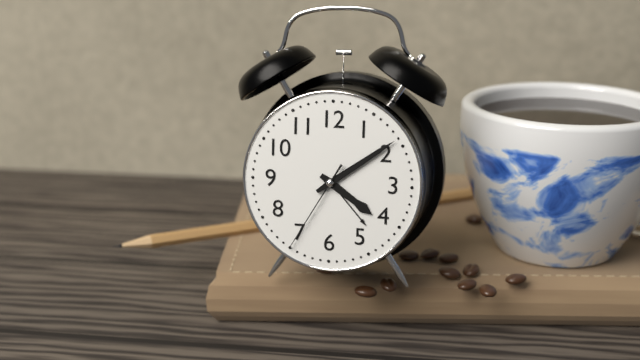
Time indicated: 4:09:35
